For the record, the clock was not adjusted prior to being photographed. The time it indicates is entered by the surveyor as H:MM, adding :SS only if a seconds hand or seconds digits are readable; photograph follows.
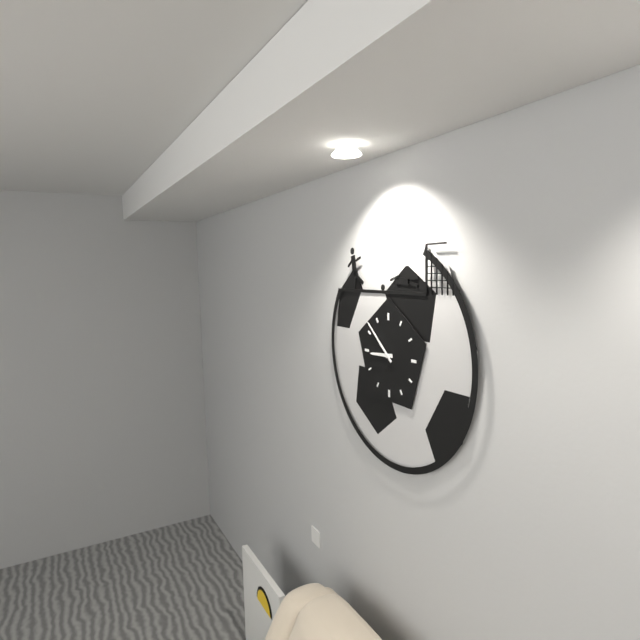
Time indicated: 8:52
